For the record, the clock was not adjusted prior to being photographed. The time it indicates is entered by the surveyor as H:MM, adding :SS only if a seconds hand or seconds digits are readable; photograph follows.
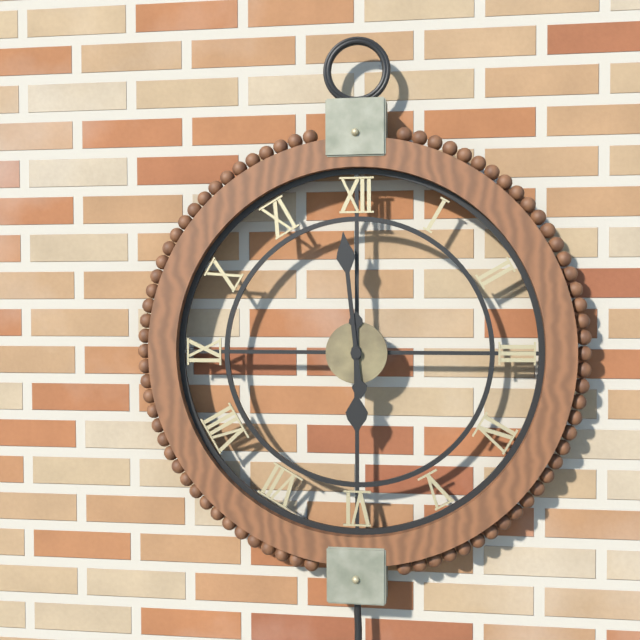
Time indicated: 5:59
